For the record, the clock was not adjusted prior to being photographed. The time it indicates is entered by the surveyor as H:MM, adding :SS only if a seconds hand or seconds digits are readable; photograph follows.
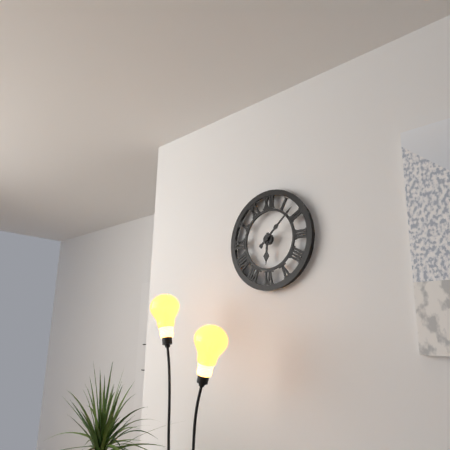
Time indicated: 6:08
